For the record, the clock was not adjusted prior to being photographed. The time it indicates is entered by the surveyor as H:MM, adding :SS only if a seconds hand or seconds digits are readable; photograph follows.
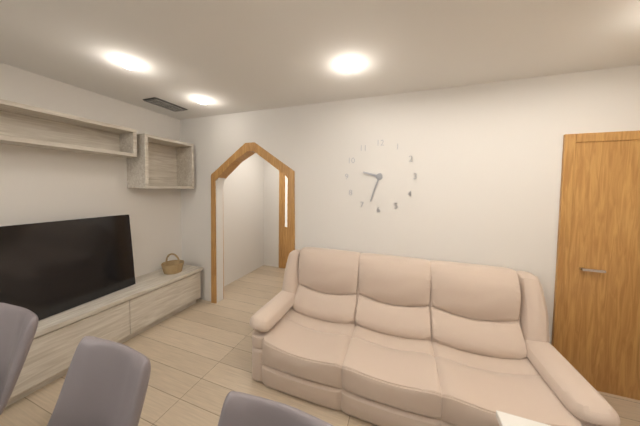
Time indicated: 9:33
